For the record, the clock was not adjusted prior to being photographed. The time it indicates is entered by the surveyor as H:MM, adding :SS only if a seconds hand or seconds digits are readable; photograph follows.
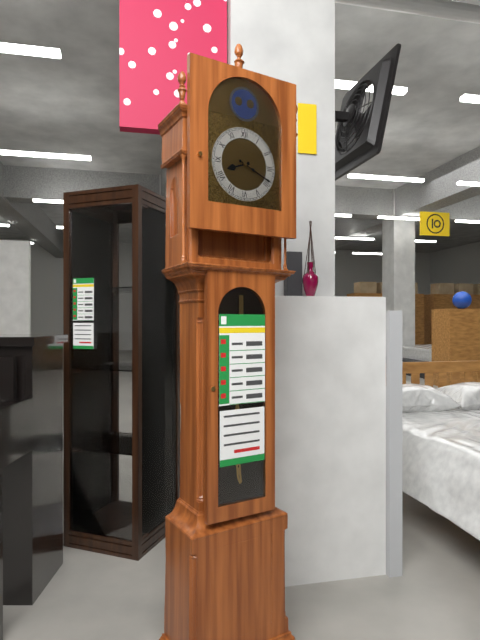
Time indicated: 8:19
